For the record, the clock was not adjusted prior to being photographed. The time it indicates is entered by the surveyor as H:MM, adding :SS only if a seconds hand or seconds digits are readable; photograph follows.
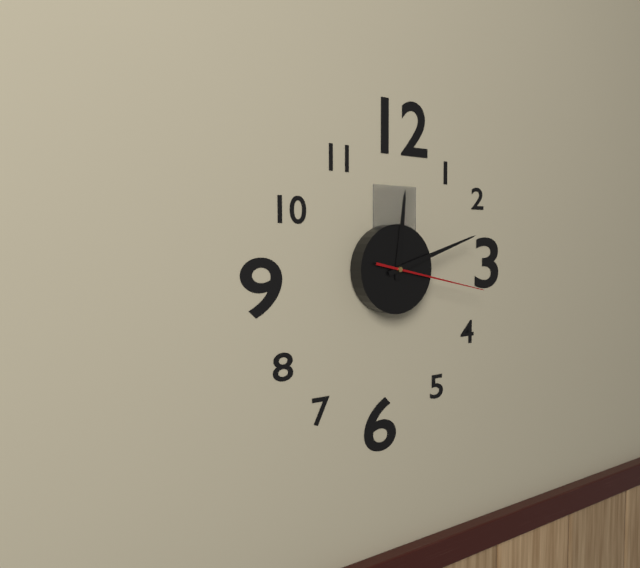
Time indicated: 12:12:17
